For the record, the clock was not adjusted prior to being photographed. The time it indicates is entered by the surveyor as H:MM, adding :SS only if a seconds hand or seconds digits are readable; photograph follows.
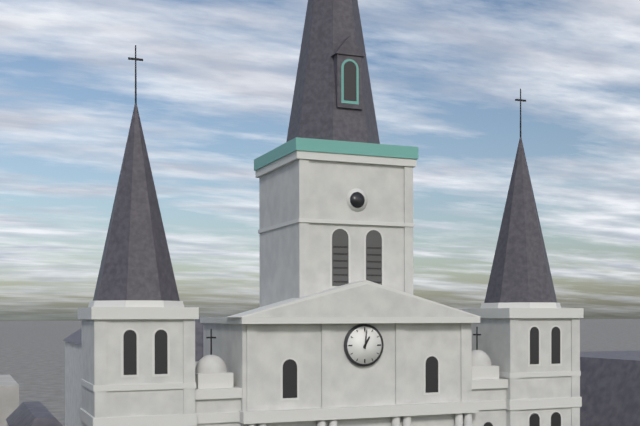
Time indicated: 1:01
